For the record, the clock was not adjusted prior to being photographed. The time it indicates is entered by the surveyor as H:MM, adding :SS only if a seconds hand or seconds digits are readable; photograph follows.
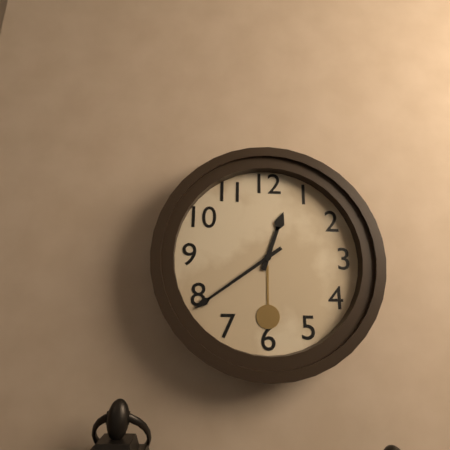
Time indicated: 12:39
